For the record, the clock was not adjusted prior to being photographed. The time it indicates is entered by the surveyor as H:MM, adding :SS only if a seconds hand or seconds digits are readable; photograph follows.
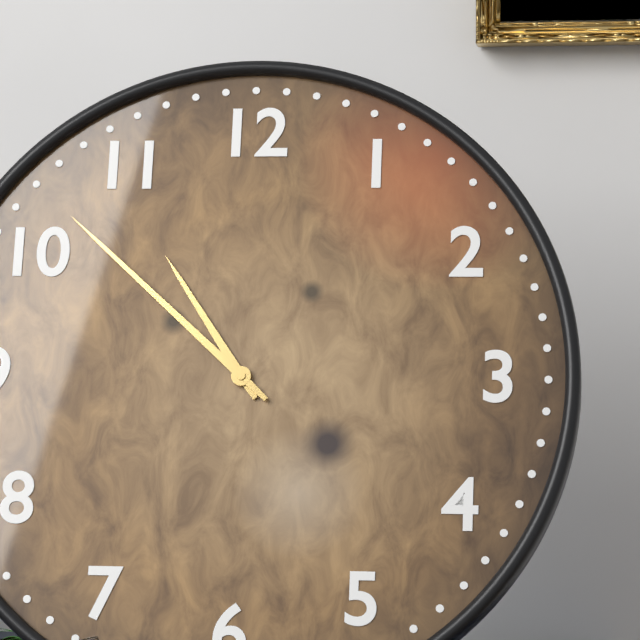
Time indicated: 10:52
